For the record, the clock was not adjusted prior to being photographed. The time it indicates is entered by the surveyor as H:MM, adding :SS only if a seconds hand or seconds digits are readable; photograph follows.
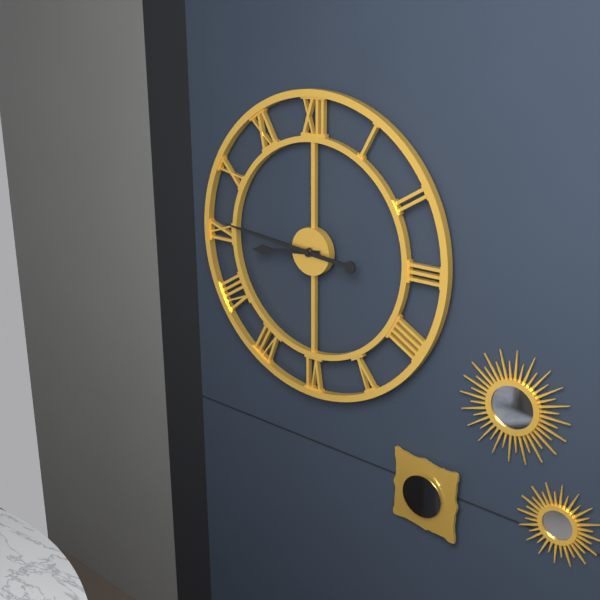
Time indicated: 8:46
